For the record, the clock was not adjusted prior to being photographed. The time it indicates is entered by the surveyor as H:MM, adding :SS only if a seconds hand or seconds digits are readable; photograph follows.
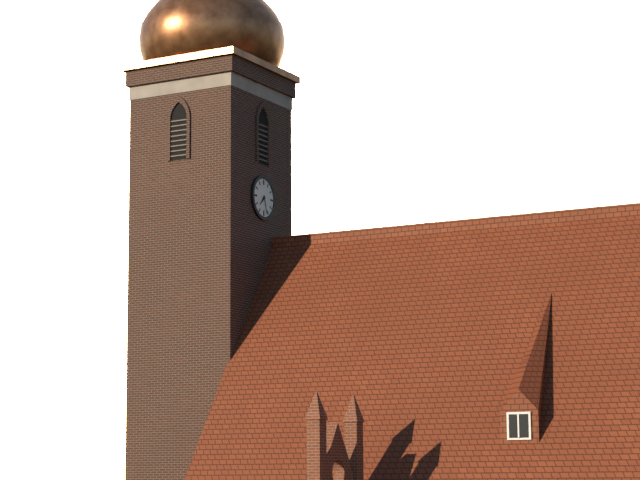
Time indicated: 7:27
